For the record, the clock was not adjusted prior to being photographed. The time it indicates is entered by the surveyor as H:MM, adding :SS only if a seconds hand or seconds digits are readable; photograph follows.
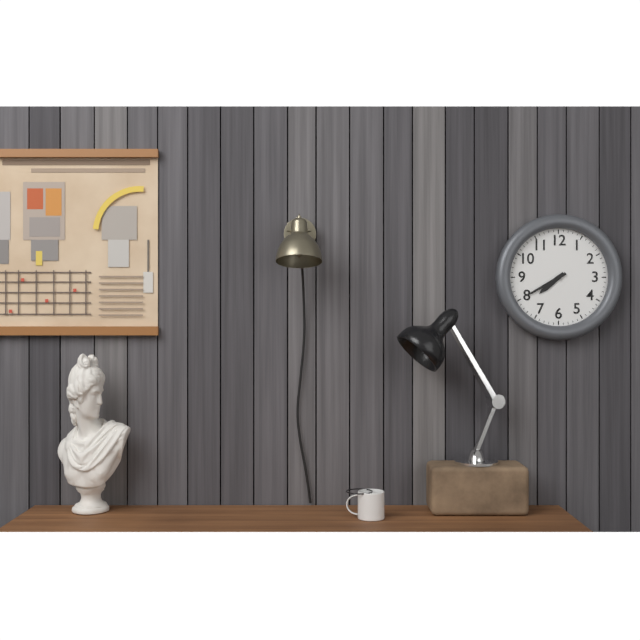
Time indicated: 7:40
